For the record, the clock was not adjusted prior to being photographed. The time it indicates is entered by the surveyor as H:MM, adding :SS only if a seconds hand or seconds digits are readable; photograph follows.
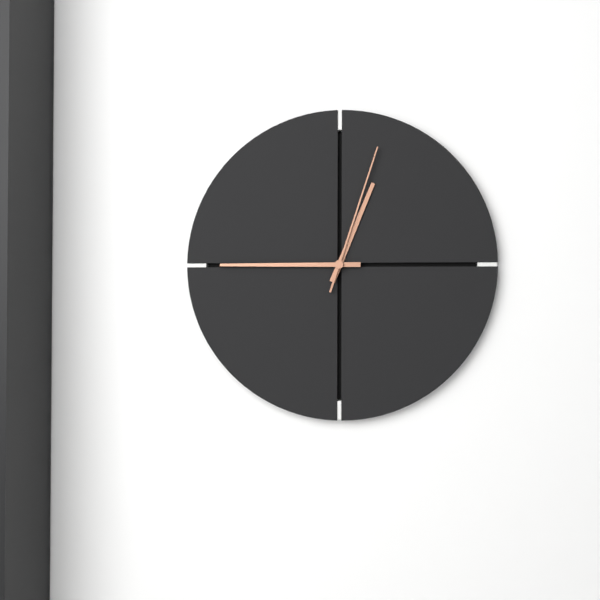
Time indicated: 12:45:03
